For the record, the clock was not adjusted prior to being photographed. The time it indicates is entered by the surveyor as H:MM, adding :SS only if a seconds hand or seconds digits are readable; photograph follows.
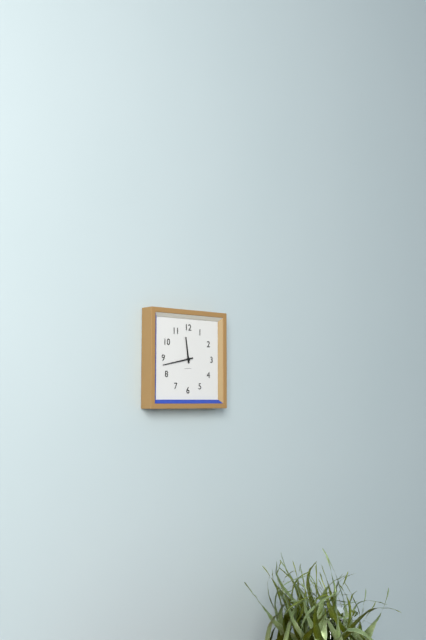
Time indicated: 11:43
